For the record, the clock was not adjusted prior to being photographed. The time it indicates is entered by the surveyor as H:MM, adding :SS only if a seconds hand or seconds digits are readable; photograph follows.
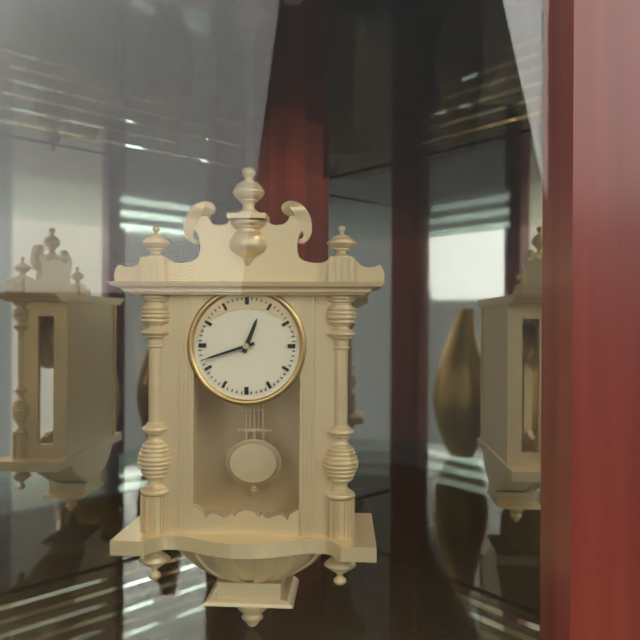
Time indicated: 12:42
